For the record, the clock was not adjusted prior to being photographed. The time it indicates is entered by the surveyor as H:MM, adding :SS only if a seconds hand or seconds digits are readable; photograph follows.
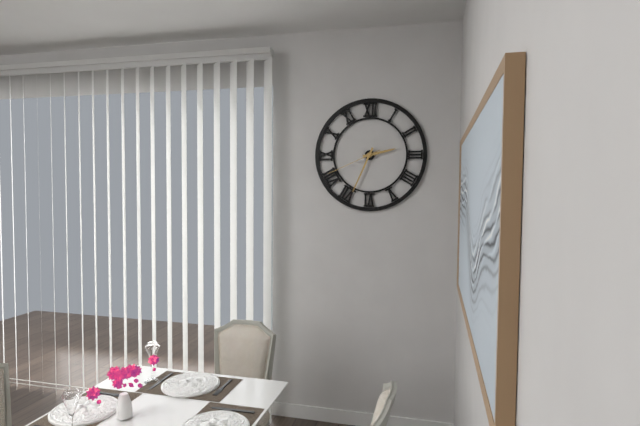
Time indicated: 2:34:41
